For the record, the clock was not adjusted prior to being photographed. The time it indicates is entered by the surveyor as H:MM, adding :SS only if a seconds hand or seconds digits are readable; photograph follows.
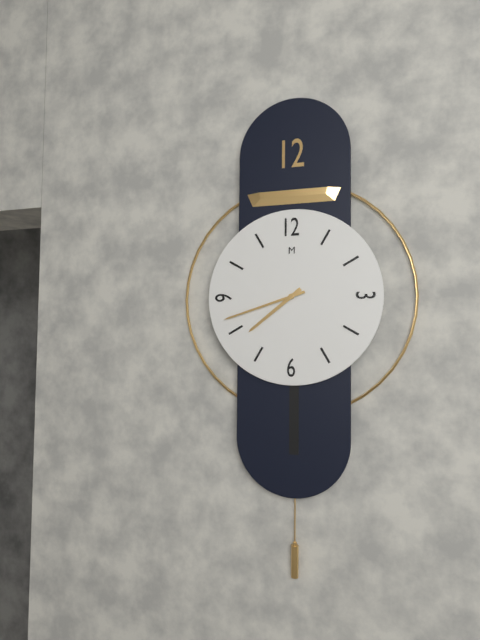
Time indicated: 7:42
